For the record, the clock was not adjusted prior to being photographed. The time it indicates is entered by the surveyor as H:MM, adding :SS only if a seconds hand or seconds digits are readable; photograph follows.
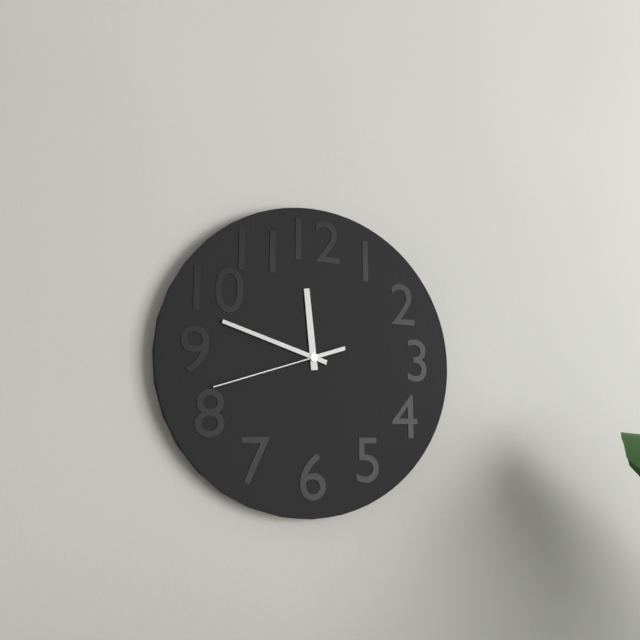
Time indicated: 11:48:42
